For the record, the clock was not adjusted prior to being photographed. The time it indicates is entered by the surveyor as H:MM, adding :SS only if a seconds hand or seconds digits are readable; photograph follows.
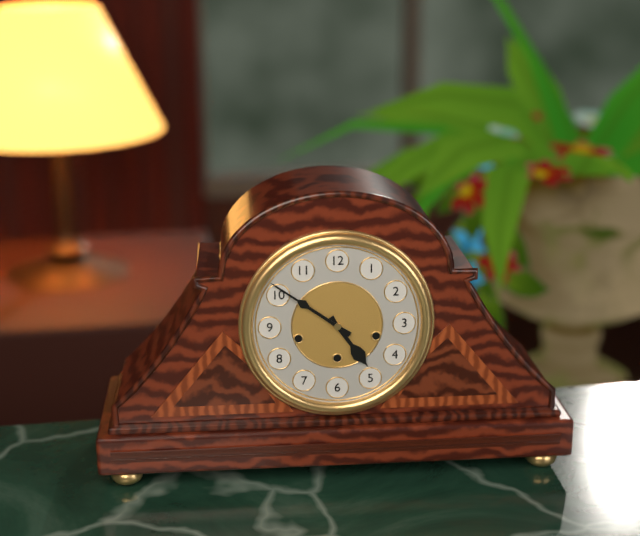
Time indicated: 4:51
